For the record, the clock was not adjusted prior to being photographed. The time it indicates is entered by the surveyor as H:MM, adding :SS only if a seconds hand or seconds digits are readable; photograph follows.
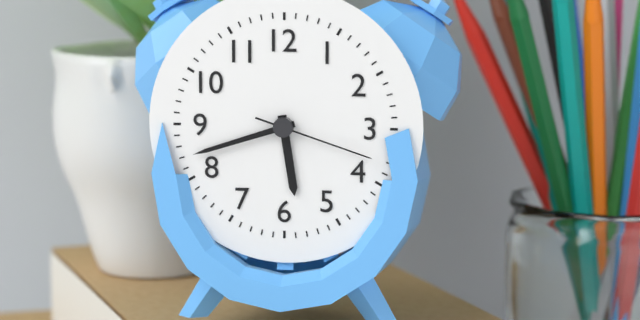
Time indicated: 5:42:18
